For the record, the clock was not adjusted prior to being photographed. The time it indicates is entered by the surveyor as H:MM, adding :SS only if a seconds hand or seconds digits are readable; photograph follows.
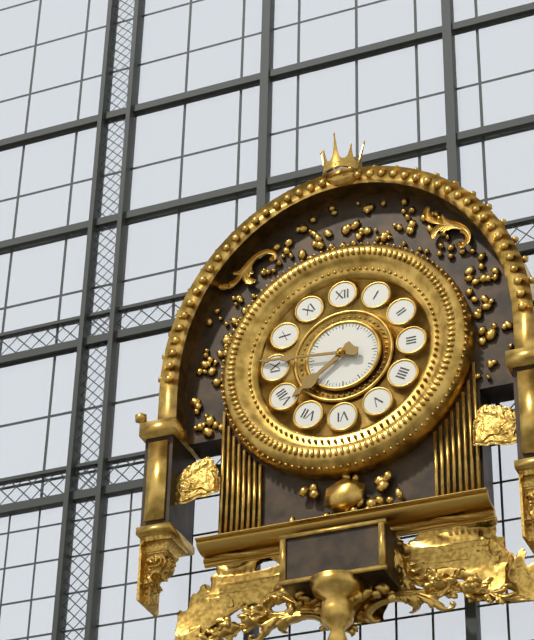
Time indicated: 7:46
